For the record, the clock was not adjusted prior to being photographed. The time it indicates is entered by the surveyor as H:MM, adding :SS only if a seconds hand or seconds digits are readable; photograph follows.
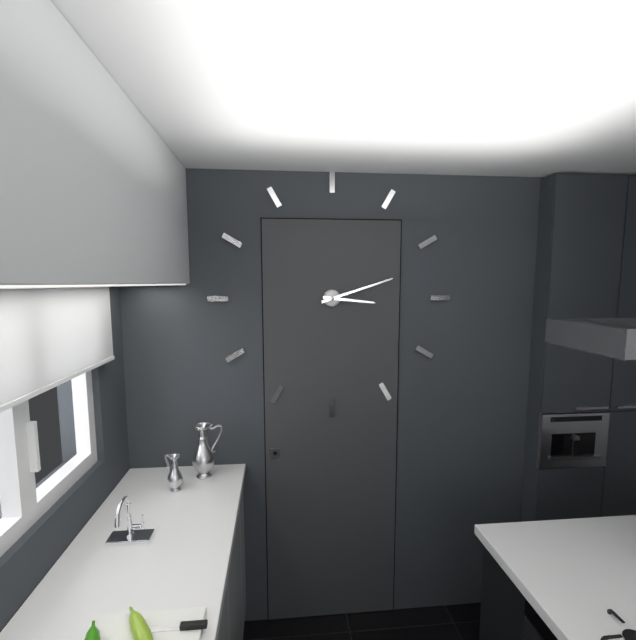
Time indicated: 3:12
